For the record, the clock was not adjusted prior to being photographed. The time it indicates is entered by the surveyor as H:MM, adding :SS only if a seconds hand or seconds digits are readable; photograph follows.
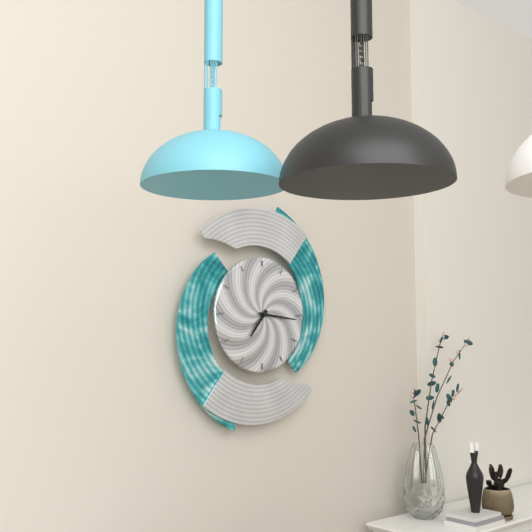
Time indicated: 7:16
